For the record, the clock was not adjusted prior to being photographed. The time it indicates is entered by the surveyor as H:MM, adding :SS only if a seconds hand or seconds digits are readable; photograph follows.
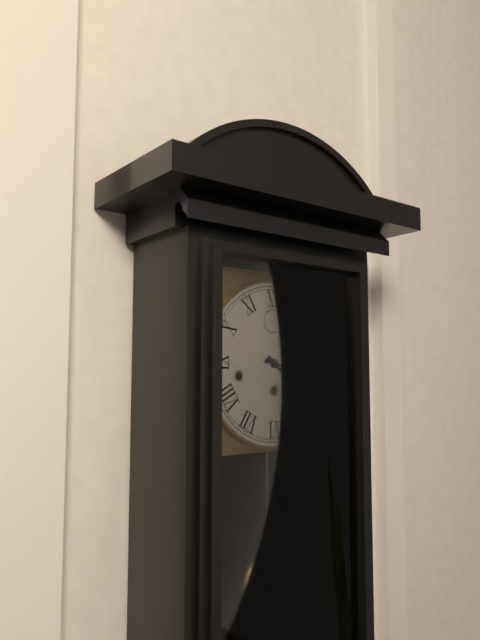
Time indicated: 4:17
